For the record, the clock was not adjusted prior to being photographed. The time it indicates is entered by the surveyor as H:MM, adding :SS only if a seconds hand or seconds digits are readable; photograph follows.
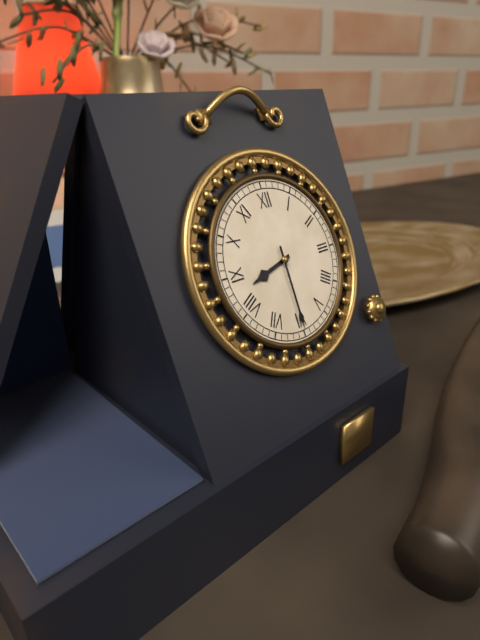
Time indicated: 8:30
